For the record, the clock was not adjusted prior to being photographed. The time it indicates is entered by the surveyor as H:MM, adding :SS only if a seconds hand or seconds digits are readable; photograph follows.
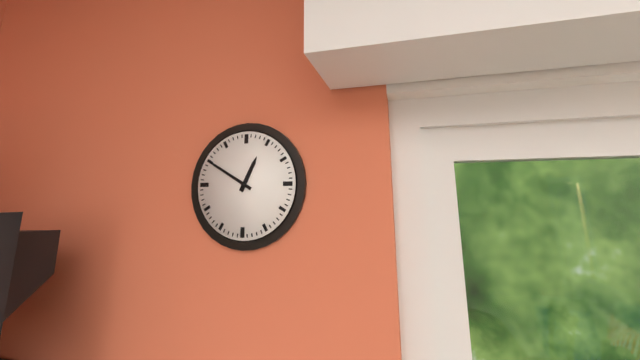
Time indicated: 12:50
